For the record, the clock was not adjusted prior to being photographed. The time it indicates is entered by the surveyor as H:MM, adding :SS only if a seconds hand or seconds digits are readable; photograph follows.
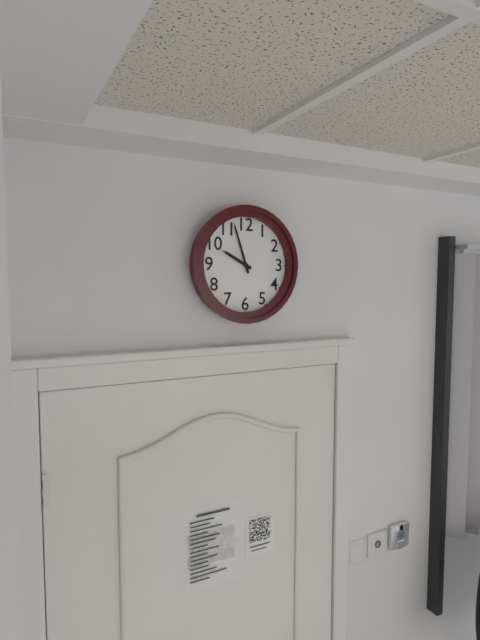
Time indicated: 9:57
